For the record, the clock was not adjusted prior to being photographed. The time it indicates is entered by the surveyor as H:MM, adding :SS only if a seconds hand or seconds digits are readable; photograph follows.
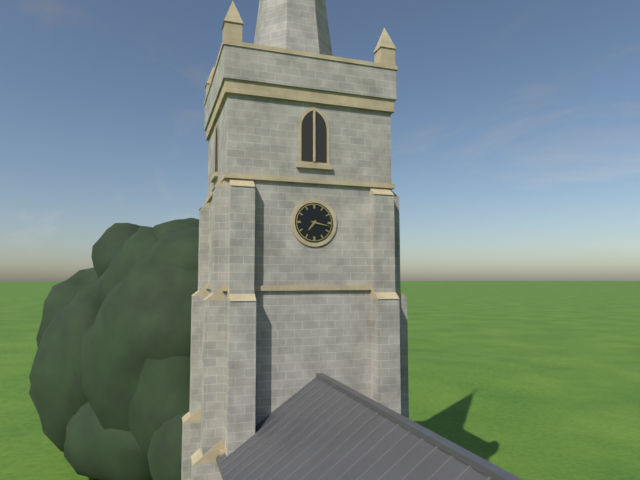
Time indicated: 7:17
